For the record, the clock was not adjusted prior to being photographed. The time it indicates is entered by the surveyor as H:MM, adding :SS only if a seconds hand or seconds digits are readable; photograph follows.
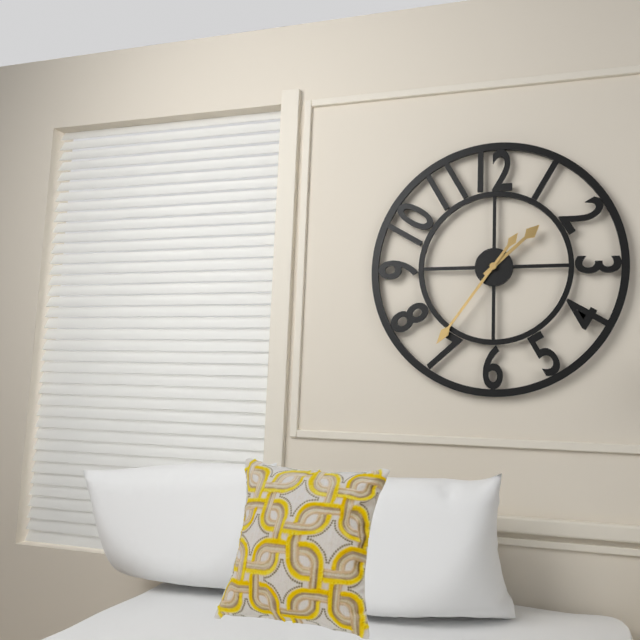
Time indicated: 1:36
